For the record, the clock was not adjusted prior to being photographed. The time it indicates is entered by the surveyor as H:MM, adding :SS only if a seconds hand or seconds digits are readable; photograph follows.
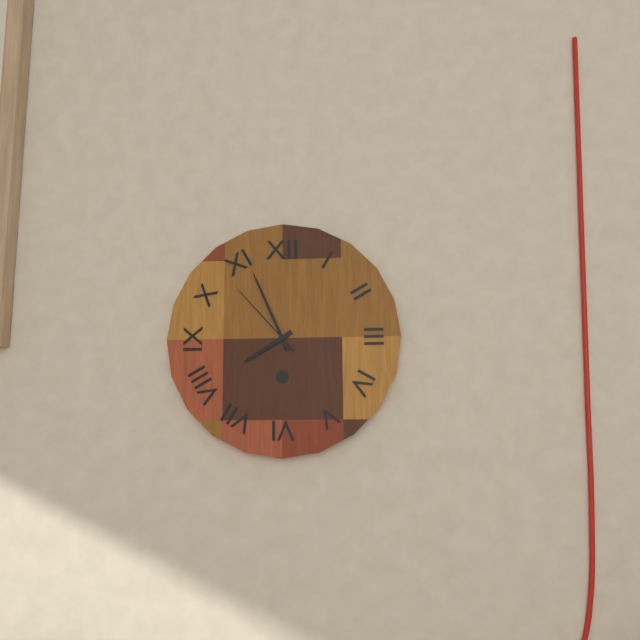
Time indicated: 7:56:53
